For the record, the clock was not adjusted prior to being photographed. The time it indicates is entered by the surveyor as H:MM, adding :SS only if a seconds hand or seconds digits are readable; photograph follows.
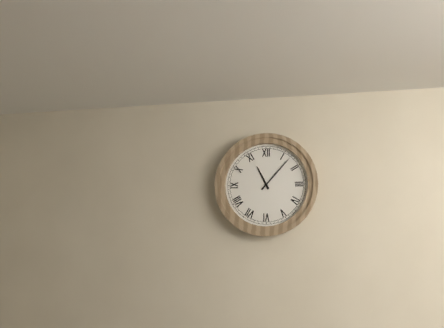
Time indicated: 11:07
